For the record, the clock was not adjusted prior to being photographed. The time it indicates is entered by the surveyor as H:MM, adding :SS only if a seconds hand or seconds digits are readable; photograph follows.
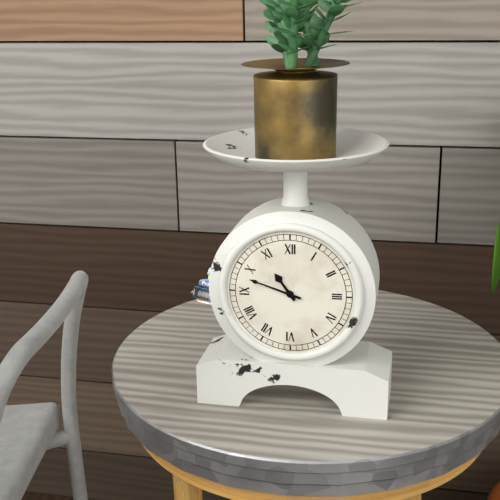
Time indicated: 10:48
